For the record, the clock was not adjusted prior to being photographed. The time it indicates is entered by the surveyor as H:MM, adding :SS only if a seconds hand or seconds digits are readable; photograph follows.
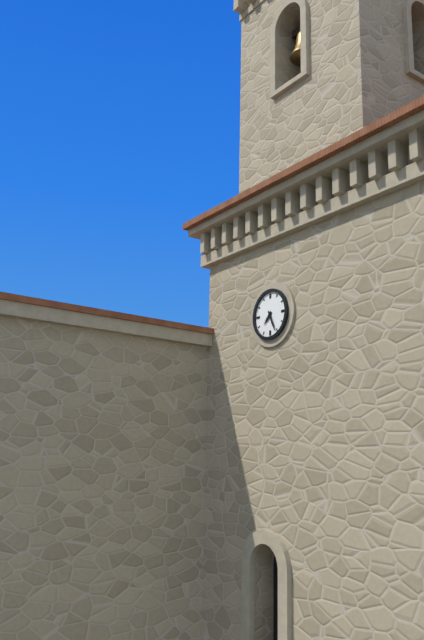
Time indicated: 7:26
